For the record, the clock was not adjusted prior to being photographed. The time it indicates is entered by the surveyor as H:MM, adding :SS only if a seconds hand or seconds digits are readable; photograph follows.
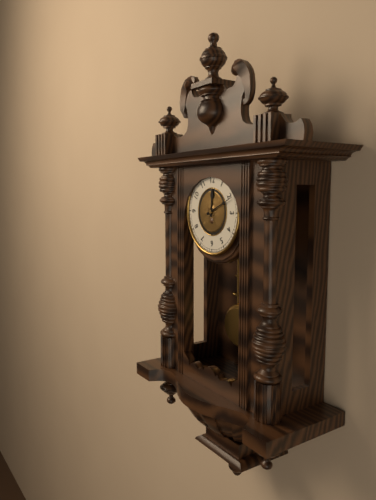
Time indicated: 12:11
